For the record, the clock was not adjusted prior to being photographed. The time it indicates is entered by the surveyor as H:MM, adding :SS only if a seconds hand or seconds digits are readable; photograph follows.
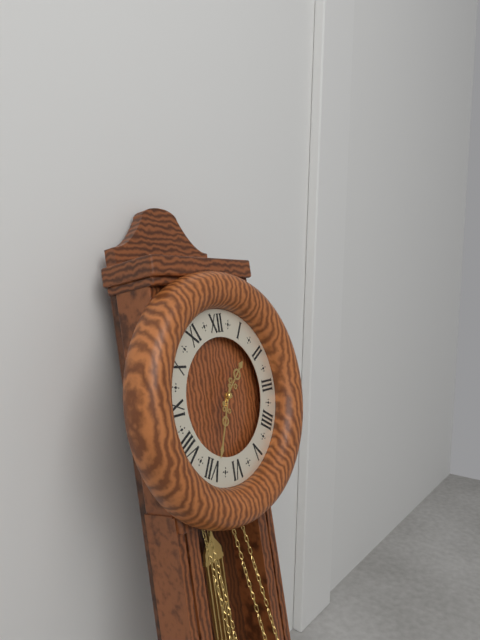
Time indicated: 1:34
